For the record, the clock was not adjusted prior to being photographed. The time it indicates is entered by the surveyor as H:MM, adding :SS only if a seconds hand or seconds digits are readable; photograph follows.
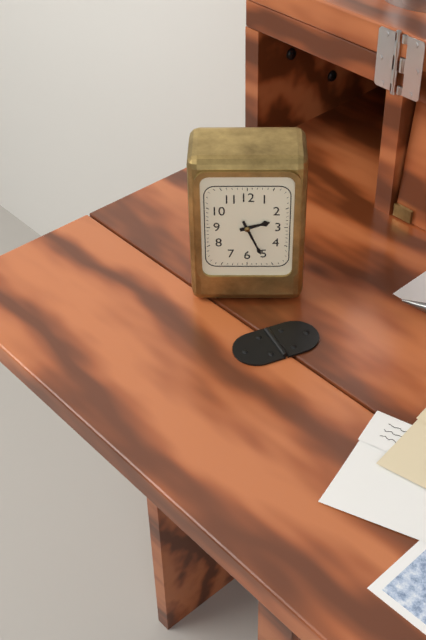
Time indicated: 2:26
